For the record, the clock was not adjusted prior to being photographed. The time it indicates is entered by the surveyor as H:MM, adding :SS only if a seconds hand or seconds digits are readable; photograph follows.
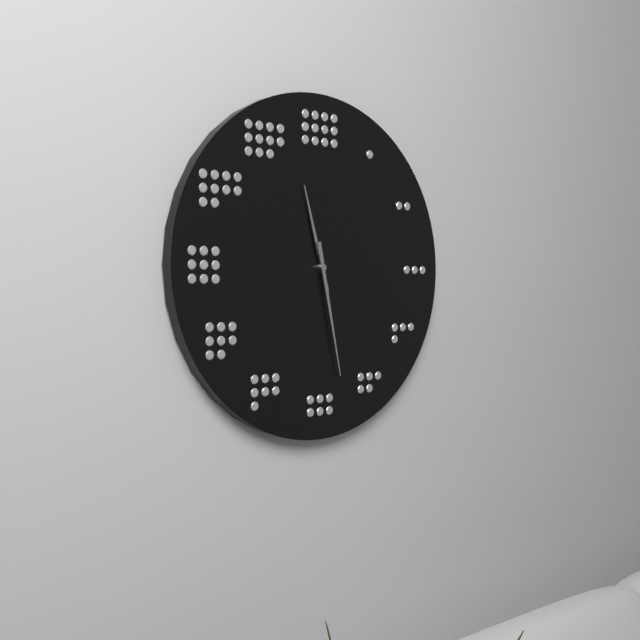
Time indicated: 11:28
